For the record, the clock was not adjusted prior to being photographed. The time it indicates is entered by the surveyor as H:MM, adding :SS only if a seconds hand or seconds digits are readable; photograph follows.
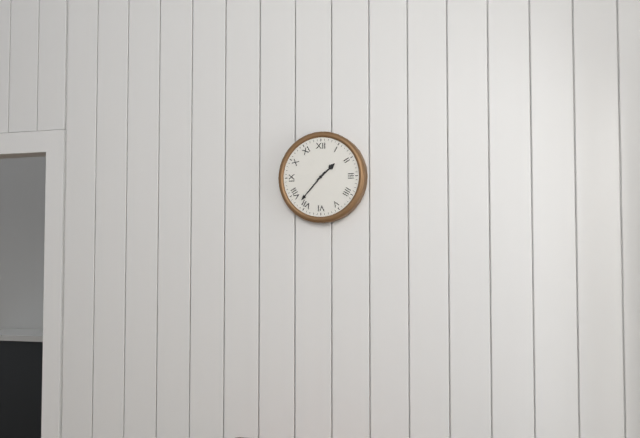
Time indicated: 1:37
